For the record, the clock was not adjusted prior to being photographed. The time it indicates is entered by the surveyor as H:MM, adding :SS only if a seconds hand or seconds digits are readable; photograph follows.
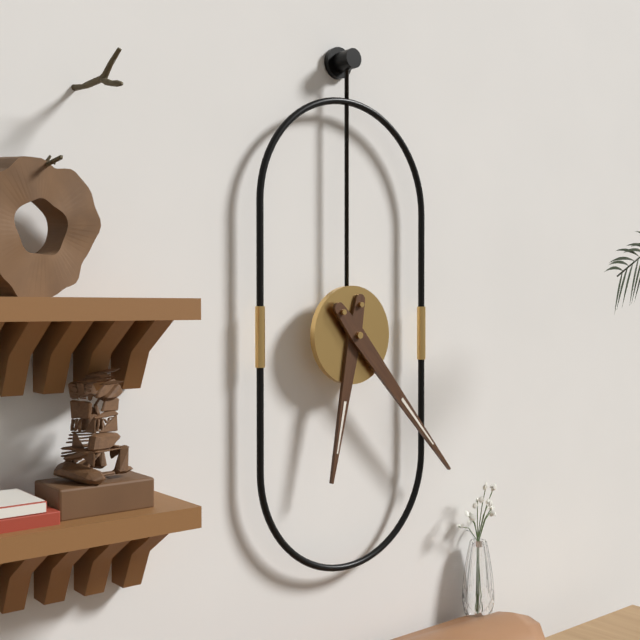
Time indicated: 6:23
